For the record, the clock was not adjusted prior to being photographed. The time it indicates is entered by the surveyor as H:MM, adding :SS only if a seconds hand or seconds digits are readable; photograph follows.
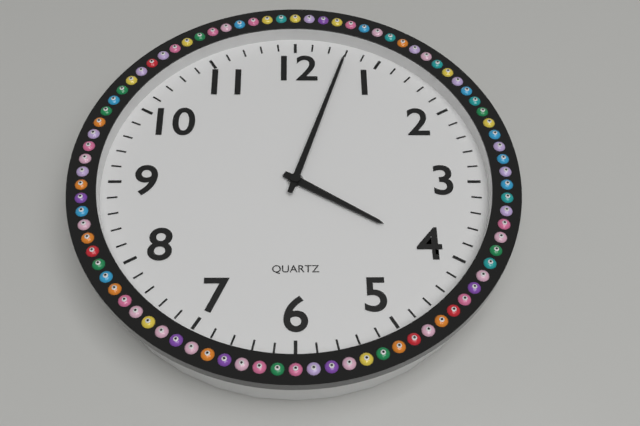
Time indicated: 4:03
